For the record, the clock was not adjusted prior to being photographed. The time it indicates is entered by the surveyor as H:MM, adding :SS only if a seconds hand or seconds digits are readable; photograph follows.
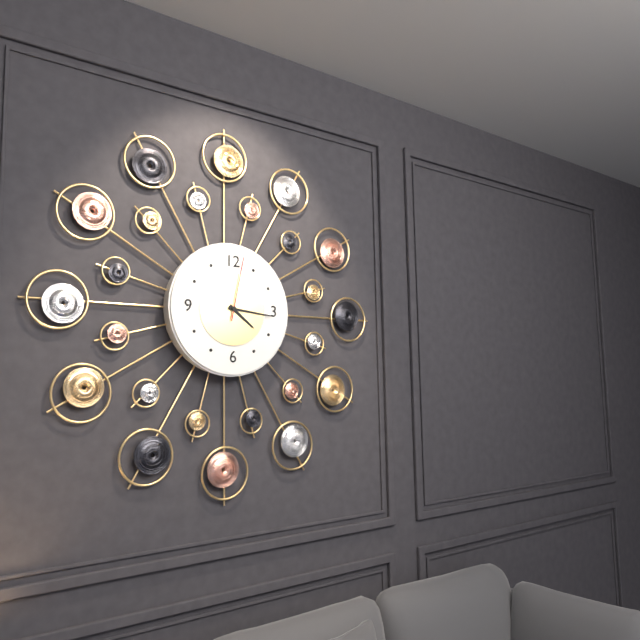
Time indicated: 4:16:02
